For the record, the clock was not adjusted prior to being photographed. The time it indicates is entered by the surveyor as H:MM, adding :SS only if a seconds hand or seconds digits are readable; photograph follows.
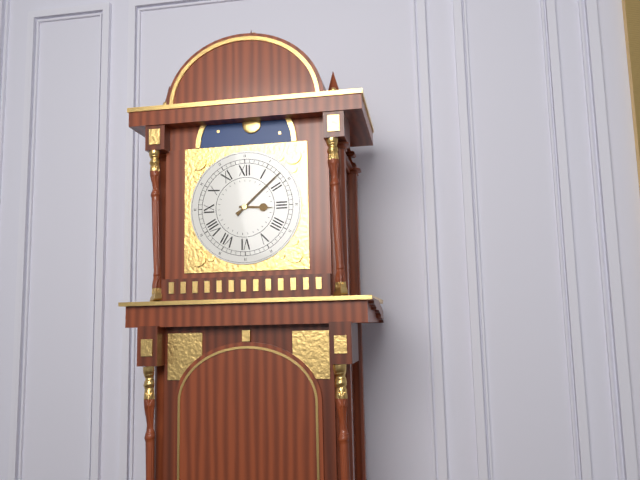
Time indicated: 3:08
